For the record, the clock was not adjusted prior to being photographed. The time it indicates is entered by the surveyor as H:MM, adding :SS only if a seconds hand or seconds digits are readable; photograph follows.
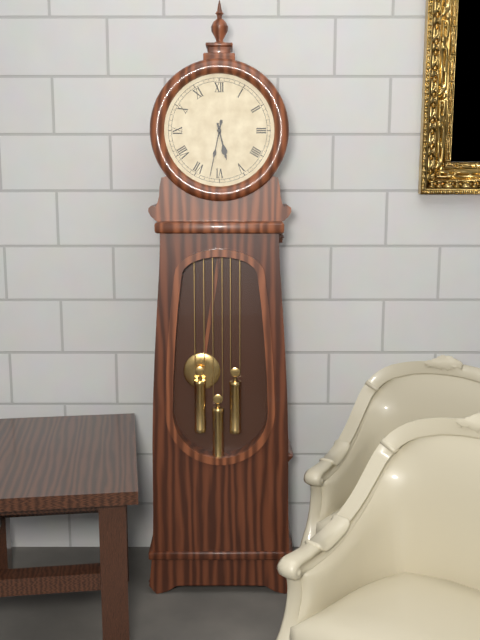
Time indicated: 5:32
